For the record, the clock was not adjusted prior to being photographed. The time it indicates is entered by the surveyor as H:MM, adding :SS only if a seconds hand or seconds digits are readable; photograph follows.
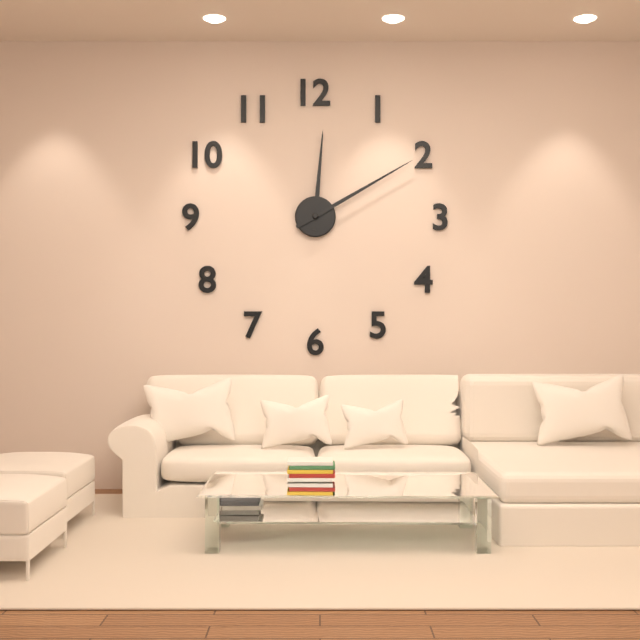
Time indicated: 12:10
